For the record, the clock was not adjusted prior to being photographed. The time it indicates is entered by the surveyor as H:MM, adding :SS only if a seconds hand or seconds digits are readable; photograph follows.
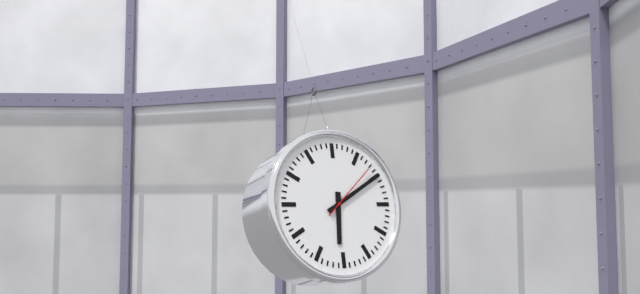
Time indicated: 6:10:08
